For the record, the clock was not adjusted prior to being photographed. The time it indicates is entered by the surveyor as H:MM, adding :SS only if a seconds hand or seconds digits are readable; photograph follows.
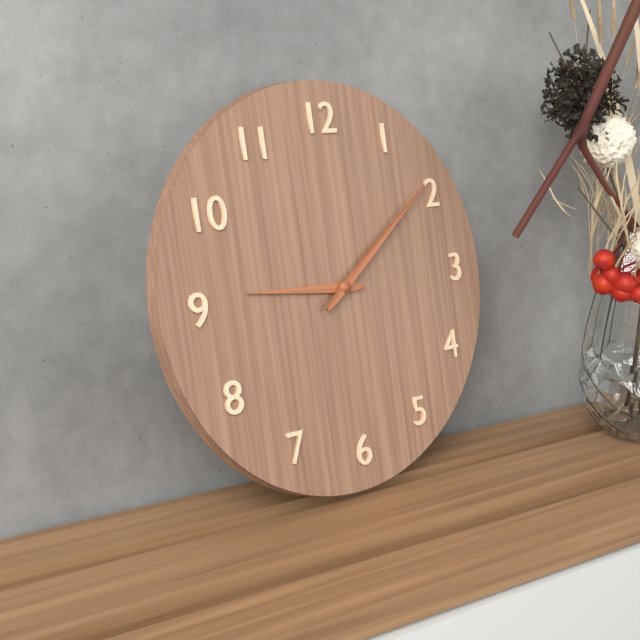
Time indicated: 9:09
